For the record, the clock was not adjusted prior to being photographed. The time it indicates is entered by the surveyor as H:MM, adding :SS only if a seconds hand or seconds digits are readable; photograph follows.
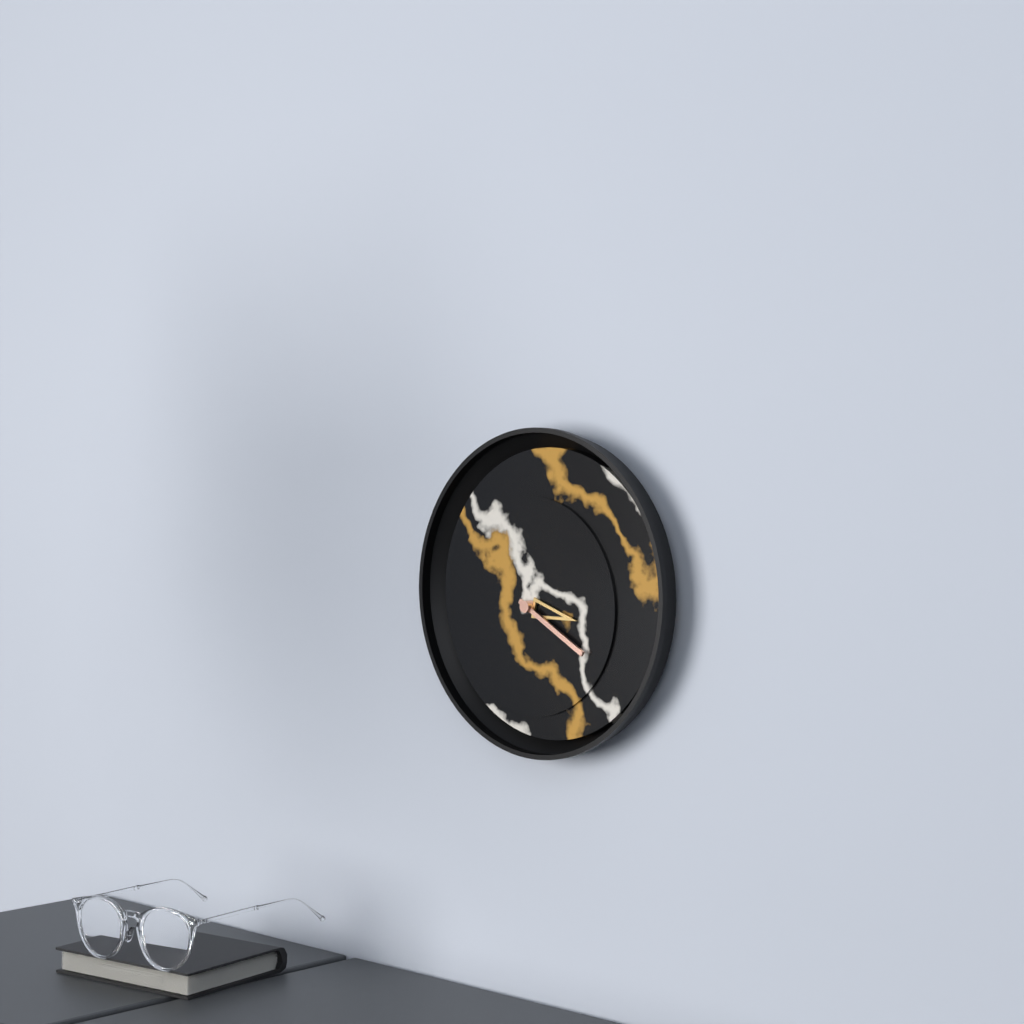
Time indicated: 3:20
